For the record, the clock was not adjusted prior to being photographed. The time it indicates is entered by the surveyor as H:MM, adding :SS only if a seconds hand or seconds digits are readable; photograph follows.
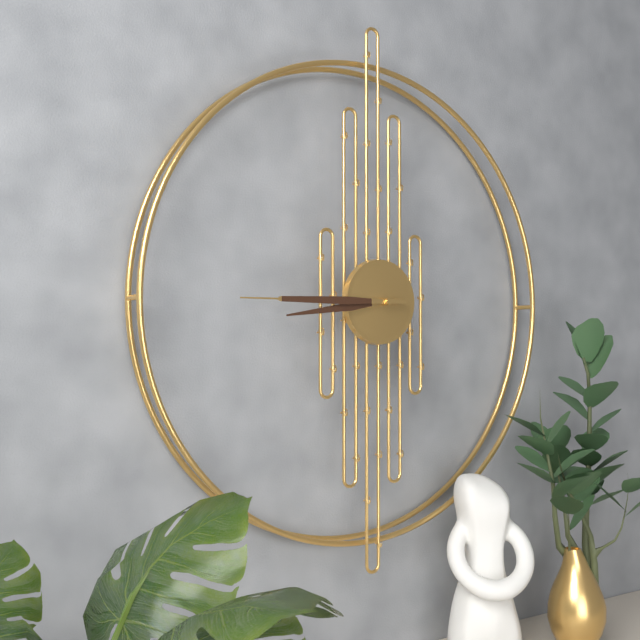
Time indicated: 8:45
